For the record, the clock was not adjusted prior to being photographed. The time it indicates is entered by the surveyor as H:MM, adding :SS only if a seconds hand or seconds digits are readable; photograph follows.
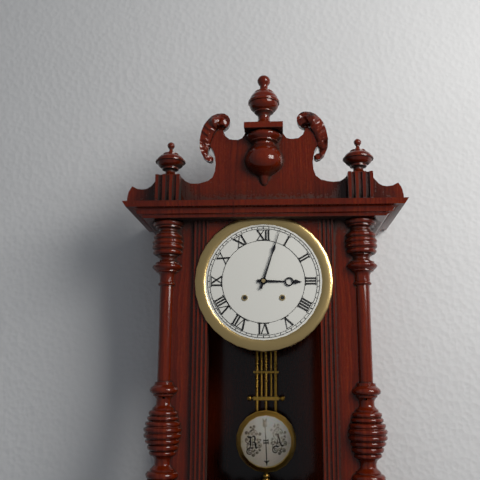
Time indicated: 3:03
